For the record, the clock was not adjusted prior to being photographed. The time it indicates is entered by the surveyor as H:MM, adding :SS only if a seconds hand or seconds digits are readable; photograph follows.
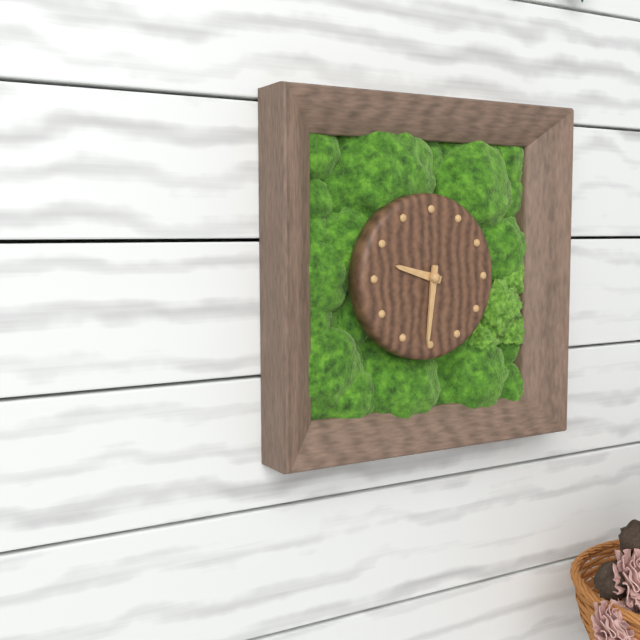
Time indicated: 9:31
